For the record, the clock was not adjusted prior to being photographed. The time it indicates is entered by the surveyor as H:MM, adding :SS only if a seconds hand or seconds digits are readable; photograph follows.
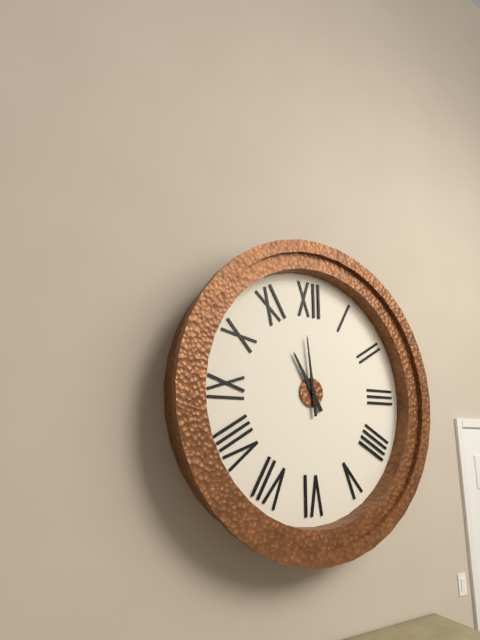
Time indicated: 10:59
